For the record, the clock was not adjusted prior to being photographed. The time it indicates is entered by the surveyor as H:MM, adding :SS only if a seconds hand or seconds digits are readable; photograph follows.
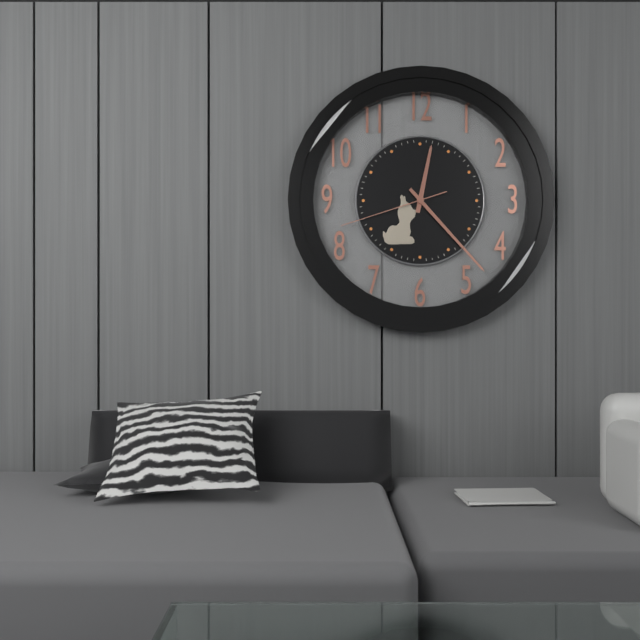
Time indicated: 12:23:42
